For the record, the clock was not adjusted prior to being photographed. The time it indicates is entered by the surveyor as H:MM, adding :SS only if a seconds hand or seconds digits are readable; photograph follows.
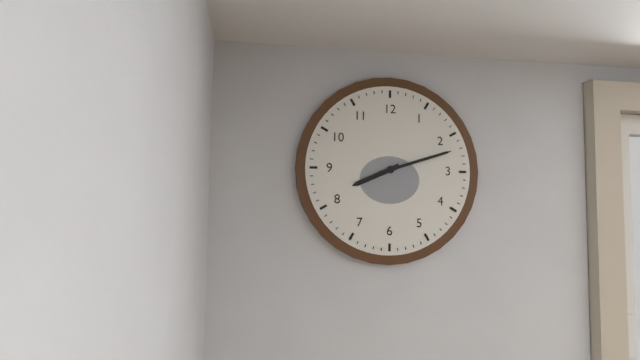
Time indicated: 8:12
